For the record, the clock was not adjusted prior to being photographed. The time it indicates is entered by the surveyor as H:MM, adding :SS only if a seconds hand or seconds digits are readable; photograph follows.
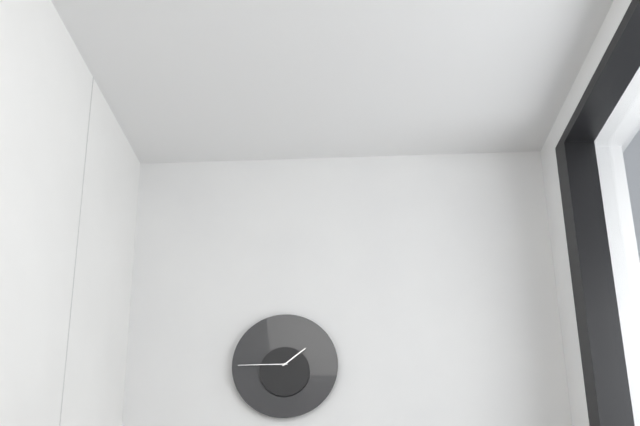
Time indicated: 1:45
